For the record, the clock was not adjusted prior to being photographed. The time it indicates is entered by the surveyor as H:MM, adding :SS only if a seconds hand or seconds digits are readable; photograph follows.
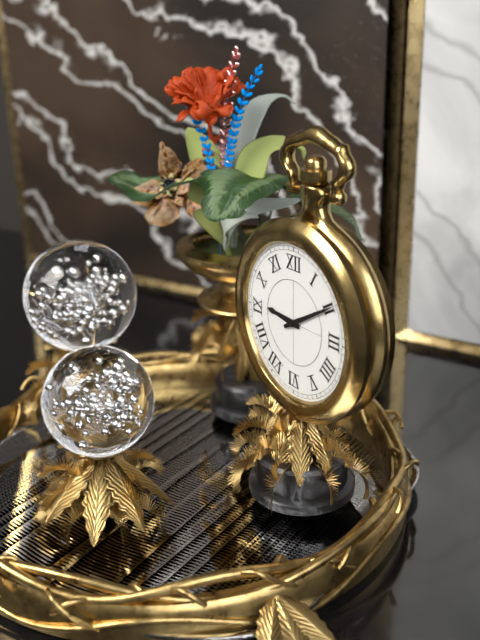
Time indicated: 9:10
